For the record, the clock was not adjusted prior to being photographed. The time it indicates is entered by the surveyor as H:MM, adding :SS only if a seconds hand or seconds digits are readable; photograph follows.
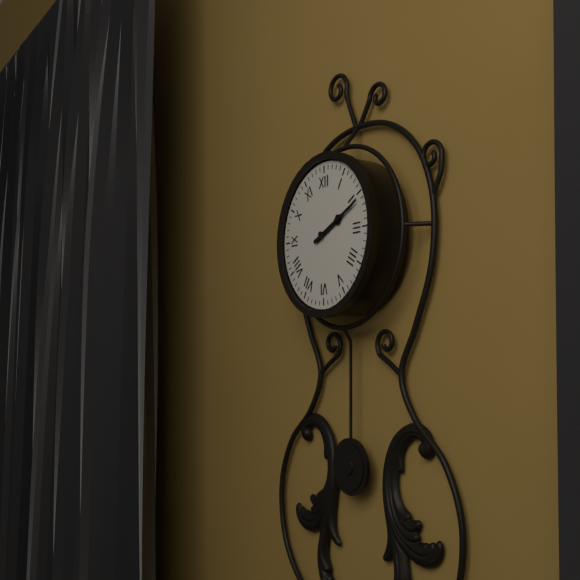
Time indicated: 2:11
